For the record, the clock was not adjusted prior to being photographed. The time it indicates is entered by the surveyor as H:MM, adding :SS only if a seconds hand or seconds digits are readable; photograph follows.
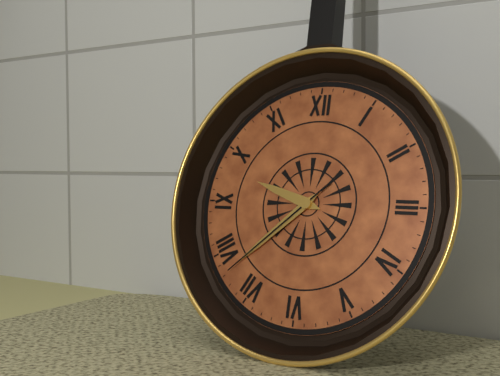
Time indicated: 9:38:38
